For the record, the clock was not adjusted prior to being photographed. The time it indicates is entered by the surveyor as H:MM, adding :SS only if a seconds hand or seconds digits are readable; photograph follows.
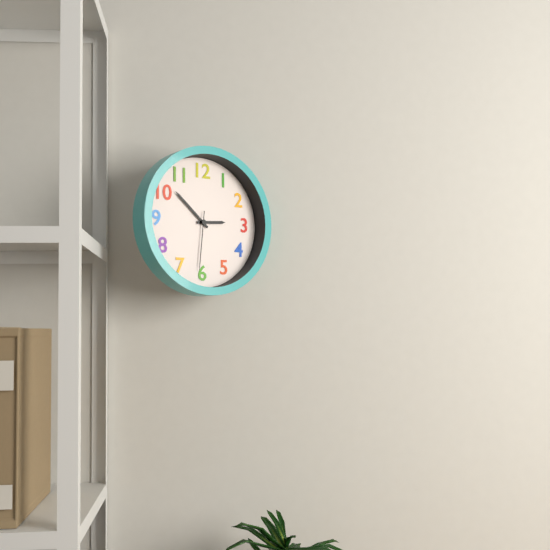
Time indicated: 2:52:31
